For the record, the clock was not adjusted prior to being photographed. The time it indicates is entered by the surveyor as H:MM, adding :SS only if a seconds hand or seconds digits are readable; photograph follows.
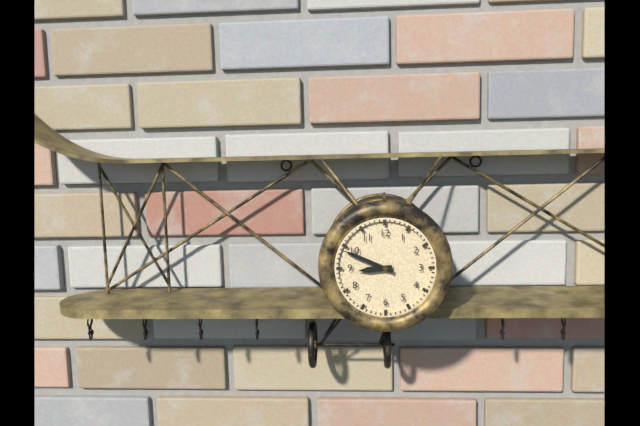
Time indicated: 8:49
